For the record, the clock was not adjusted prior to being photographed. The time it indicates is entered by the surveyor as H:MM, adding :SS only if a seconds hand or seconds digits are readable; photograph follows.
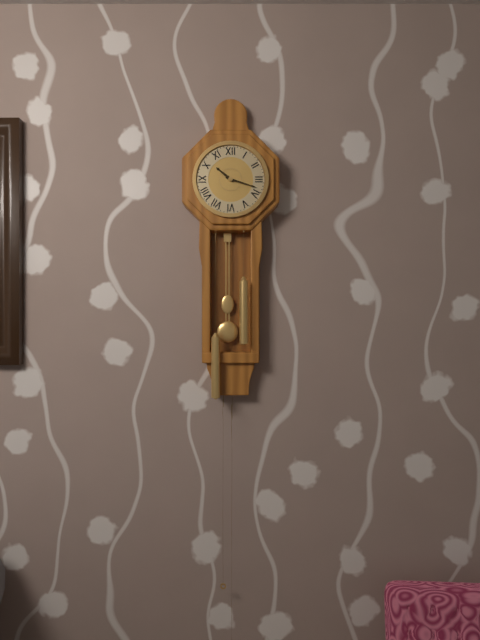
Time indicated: 10:18
